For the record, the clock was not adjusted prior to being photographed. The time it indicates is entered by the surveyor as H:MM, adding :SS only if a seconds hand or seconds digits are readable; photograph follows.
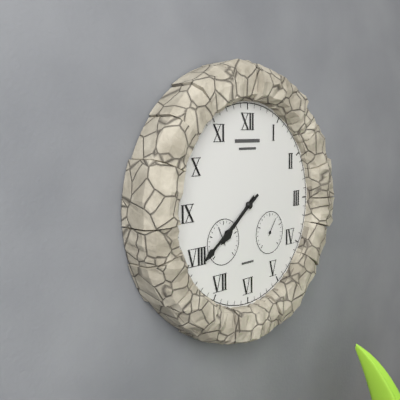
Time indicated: 7:39
